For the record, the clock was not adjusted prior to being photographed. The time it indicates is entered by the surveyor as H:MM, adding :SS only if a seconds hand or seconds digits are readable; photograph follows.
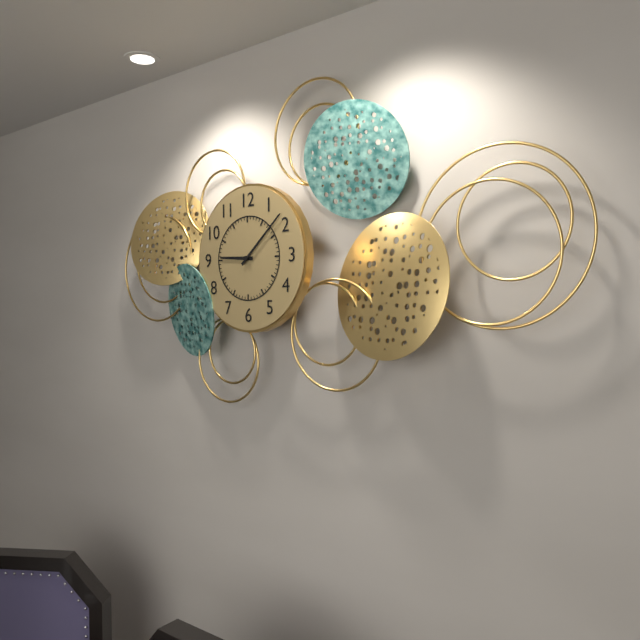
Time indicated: 9:08
